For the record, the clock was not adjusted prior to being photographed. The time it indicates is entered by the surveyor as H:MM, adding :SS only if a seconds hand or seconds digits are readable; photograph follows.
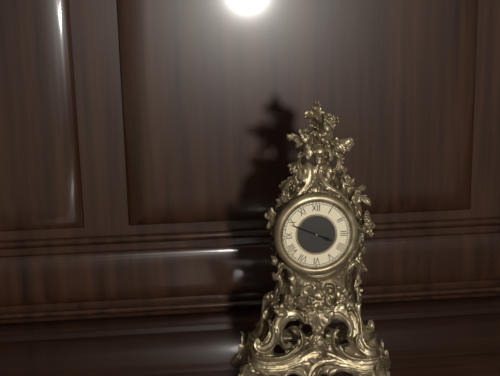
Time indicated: 3:49
